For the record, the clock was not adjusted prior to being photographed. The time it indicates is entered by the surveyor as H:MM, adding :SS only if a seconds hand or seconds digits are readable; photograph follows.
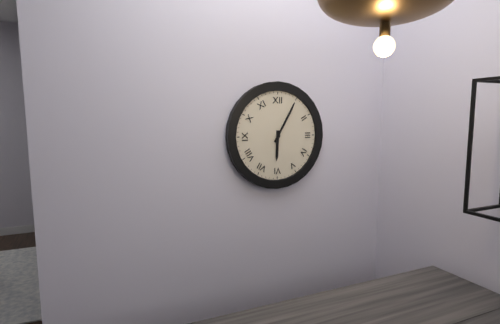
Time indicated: 6:05
